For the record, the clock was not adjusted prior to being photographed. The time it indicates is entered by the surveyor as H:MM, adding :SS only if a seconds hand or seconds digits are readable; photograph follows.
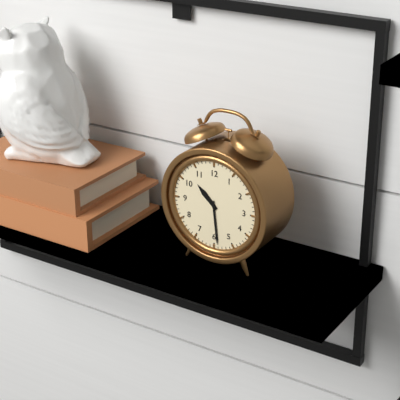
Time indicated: 10:29
